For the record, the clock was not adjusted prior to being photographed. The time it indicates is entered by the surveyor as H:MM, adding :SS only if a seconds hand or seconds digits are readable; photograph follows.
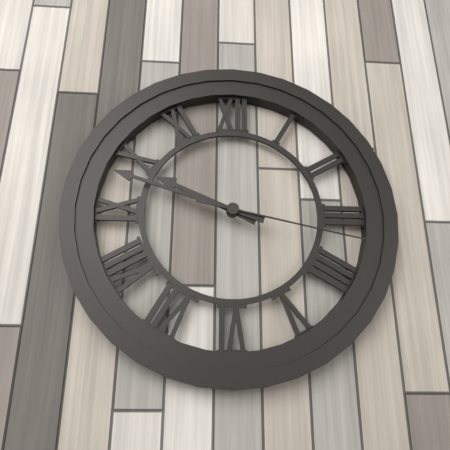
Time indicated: 9:48:17
